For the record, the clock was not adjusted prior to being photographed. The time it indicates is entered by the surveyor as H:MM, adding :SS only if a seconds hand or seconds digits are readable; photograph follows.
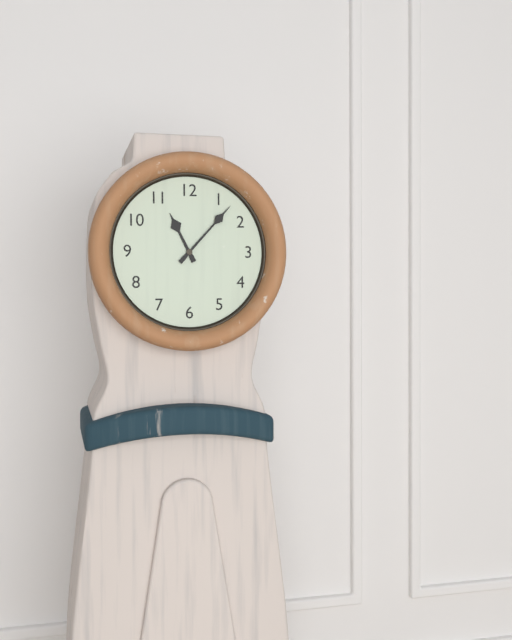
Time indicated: 11:07
